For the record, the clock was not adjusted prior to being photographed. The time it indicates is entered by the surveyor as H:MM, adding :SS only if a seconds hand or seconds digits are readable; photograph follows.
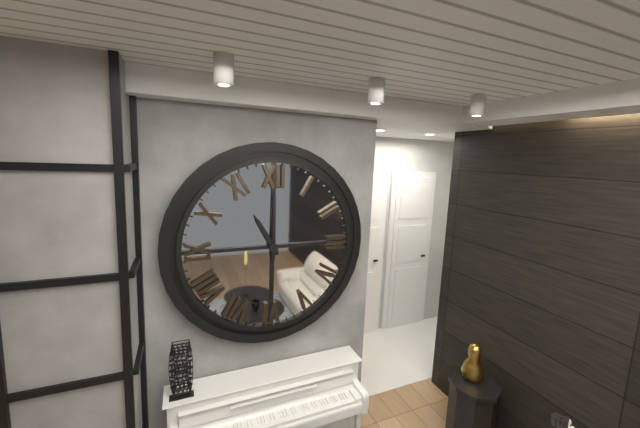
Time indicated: 11:00
